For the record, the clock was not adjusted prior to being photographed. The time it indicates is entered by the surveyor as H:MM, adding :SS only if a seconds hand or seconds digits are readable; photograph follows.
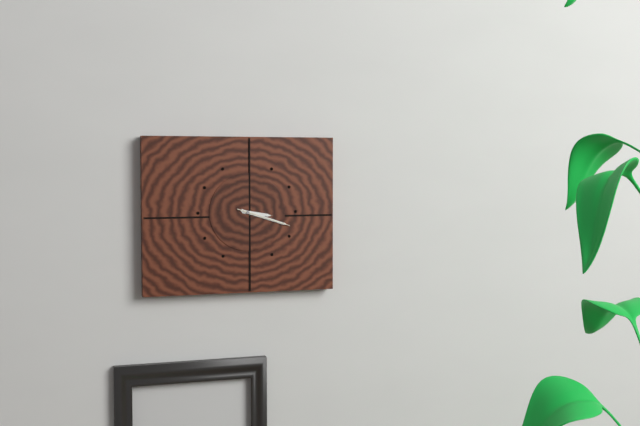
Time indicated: 3:18:18
